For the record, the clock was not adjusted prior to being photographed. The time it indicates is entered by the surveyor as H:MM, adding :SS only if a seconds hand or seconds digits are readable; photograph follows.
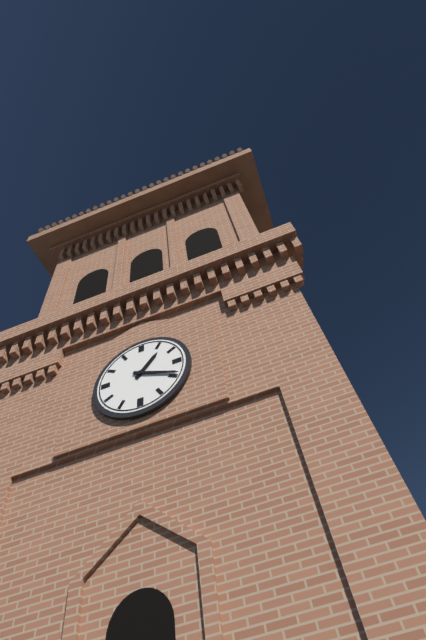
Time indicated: 1:19
